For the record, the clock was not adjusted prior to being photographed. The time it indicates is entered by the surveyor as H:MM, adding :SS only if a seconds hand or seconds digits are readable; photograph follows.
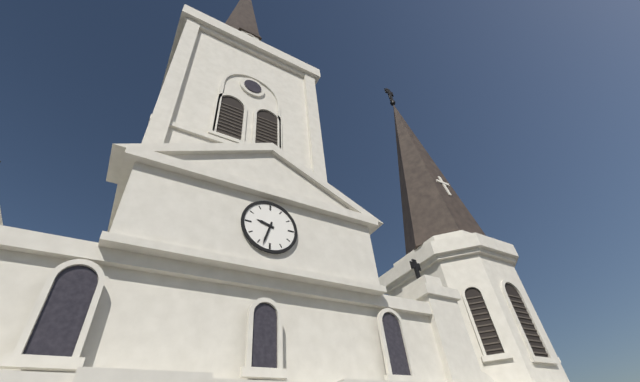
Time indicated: 9:33
